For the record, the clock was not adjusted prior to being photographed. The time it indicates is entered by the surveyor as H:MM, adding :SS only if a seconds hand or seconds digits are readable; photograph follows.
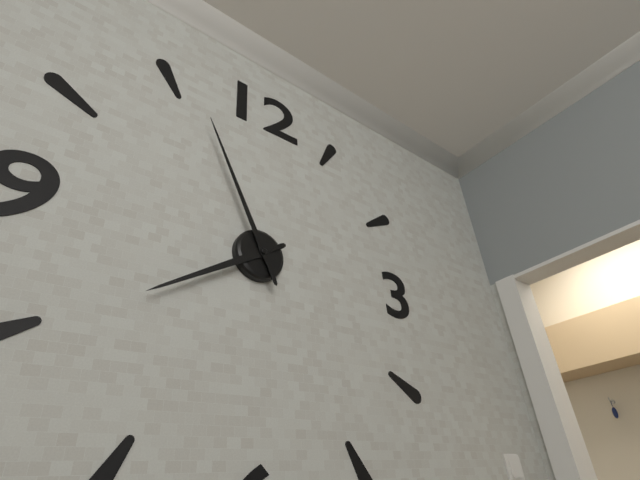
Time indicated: 7:56
